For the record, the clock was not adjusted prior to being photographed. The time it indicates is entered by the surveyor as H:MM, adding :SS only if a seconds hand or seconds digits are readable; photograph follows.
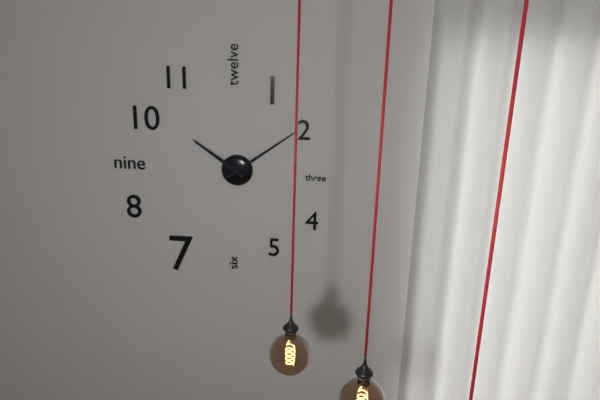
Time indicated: 10:09
